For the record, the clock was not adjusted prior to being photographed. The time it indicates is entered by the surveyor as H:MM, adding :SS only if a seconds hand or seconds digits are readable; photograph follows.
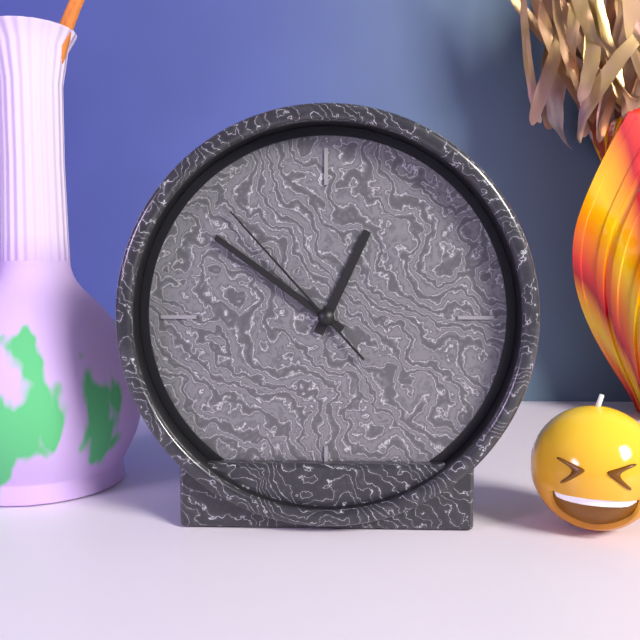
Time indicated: 12:51:53
